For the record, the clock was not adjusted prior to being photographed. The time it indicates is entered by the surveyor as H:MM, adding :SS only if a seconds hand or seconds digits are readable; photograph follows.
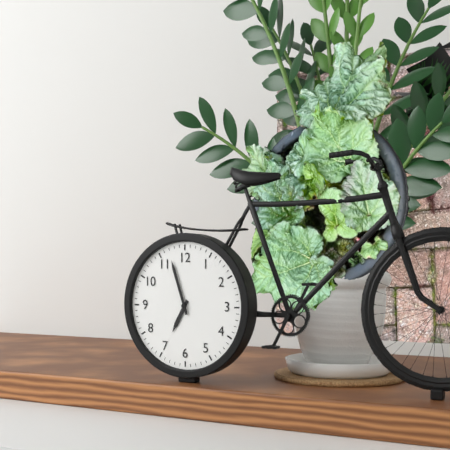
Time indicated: 6:57
